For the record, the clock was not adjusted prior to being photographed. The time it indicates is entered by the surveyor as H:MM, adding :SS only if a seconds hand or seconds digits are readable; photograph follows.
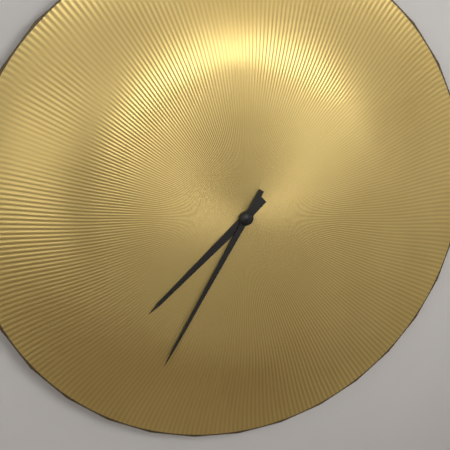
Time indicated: 7:35
